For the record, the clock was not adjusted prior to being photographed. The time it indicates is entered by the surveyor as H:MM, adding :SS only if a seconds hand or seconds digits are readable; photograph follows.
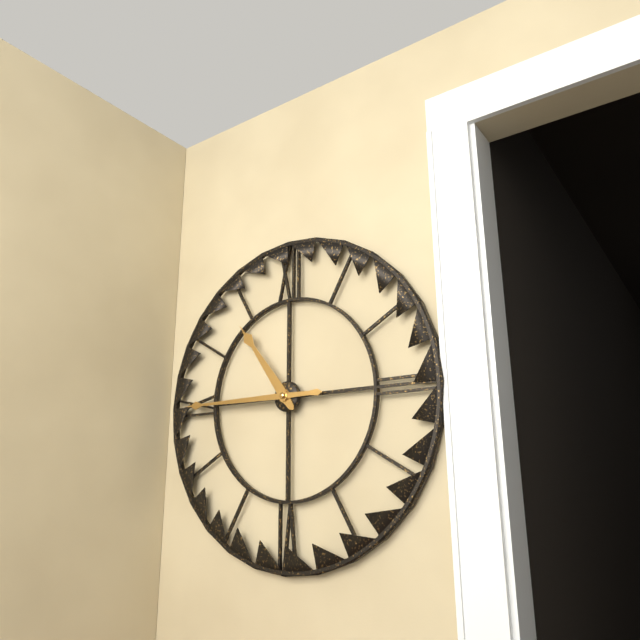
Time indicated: 10:45
